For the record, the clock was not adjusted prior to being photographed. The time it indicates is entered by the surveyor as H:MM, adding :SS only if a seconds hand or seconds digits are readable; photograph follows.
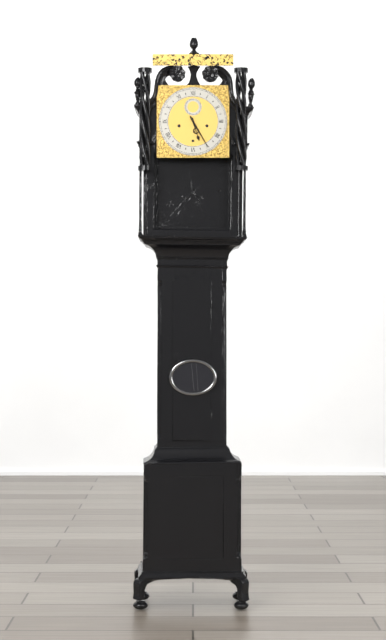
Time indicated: 5:25
